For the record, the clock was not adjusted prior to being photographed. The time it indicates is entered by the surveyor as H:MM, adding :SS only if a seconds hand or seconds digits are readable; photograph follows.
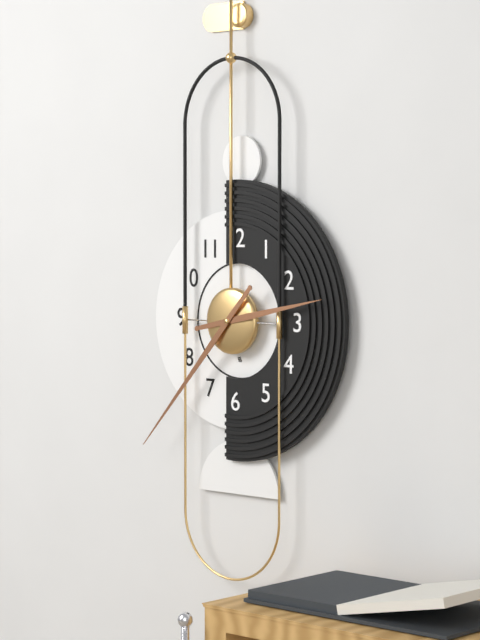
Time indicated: 2:37
